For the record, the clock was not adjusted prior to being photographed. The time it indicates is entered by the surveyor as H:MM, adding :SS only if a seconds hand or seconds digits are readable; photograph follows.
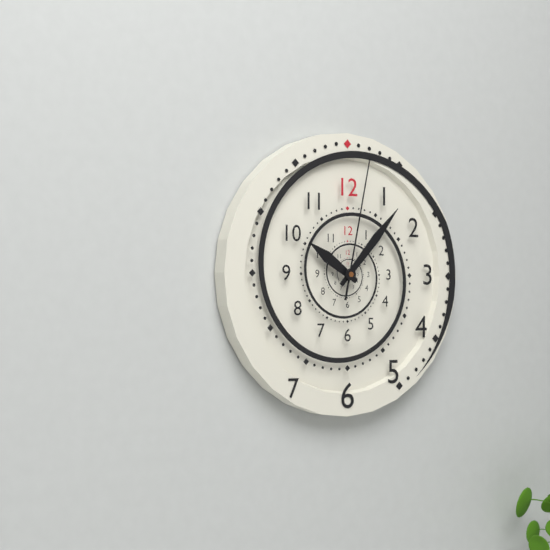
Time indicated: 10:07:02
